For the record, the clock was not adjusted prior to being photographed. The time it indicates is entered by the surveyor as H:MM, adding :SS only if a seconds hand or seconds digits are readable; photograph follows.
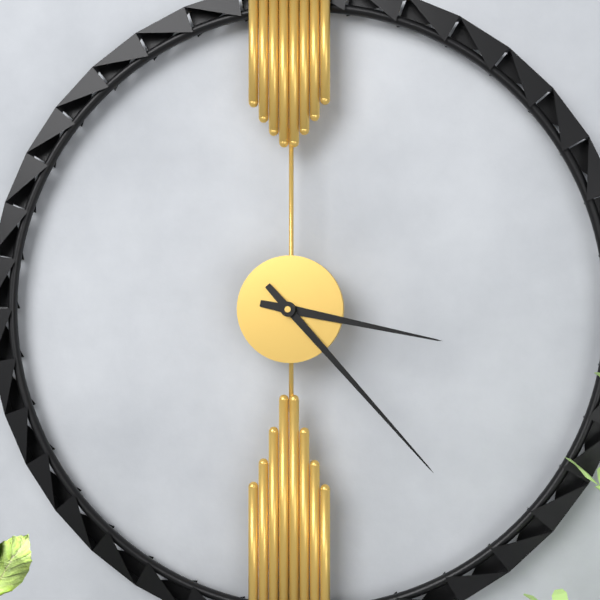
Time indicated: 3:23
